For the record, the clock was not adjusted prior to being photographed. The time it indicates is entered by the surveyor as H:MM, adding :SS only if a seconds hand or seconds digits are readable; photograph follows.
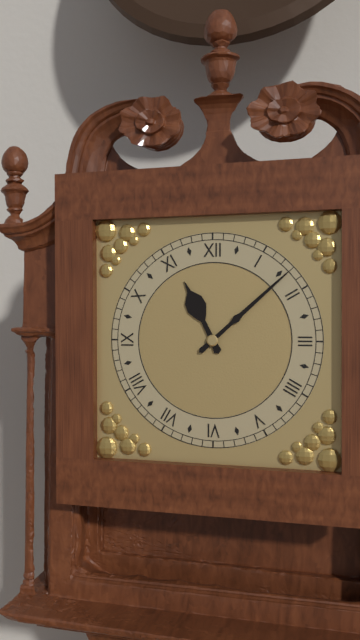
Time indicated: 11:08
